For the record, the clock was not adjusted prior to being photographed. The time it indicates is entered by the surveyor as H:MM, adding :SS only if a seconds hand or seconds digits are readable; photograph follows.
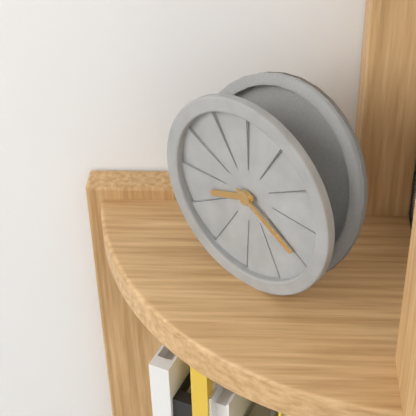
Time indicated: 8:20
